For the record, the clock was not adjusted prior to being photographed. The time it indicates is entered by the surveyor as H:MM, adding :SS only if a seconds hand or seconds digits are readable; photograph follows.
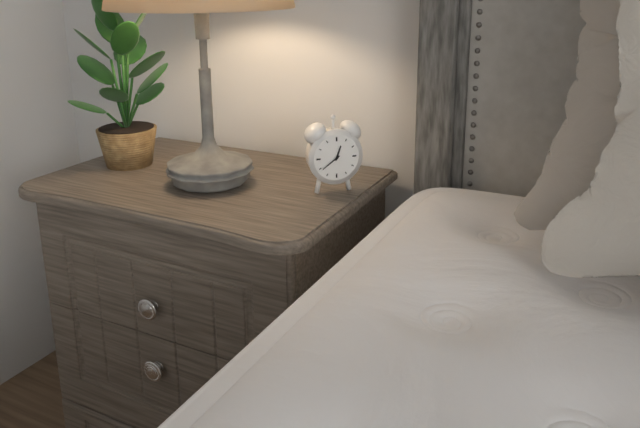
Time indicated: 12:39
